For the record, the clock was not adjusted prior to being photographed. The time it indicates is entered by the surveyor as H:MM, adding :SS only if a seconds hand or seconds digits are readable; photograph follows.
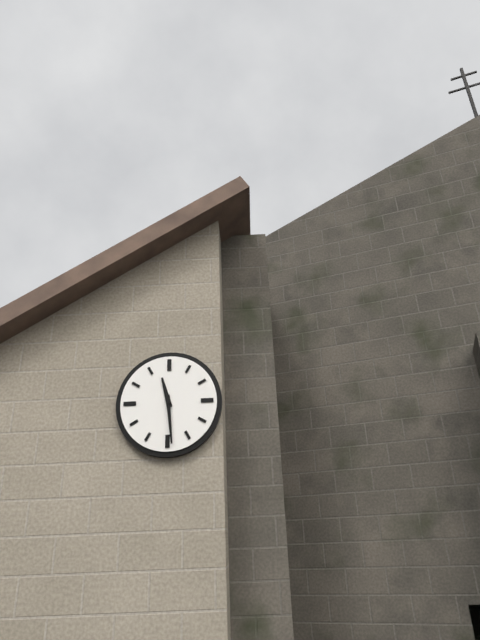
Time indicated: 11:29
